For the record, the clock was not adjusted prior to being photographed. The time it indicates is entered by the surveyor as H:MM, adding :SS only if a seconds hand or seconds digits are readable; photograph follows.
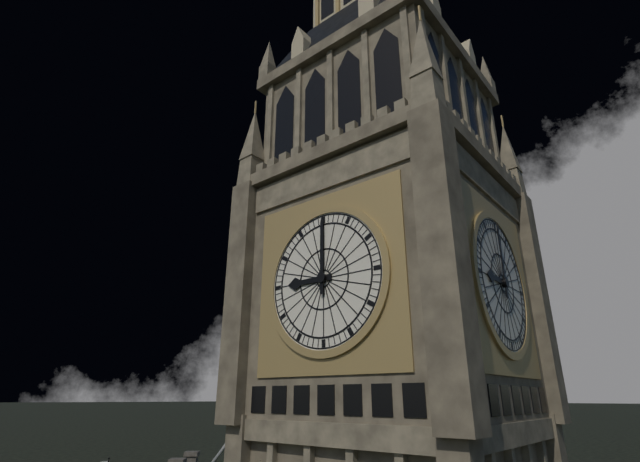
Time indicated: 9:00
